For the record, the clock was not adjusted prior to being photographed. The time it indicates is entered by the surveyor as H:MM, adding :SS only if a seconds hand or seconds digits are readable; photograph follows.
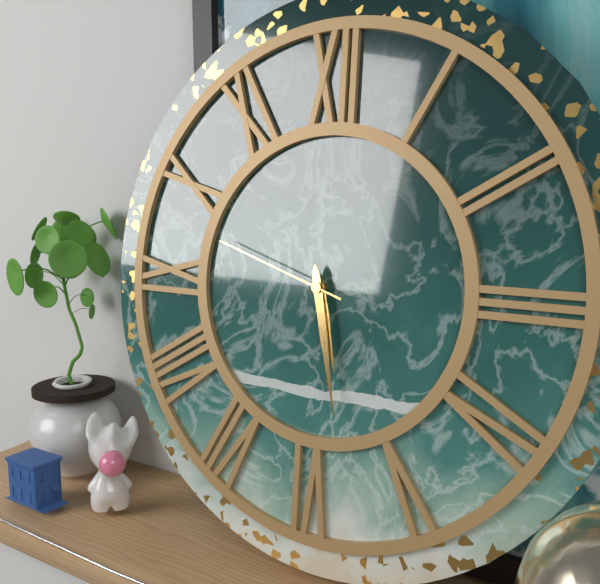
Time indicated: 5:28:48
